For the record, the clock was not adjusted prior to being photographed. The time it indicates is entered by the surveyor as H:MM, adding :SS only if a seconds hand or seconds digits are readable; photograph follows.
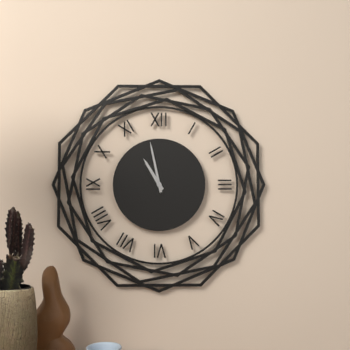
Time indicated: 10:58
